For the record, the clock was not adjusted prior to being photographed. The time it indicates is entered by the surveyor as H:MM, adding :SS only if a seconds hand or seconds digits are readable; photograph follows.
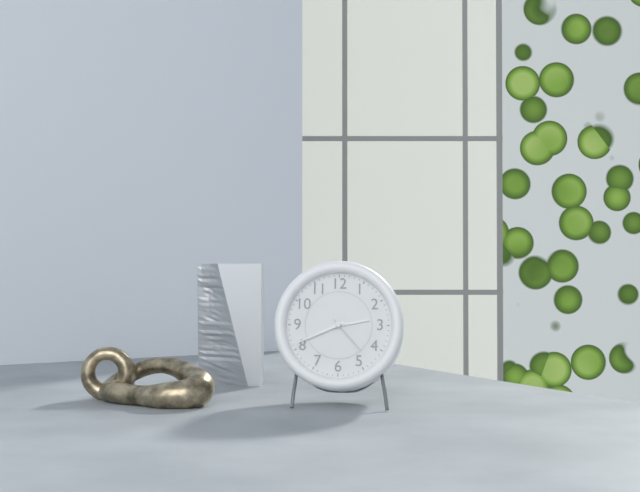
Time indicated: 2:41
